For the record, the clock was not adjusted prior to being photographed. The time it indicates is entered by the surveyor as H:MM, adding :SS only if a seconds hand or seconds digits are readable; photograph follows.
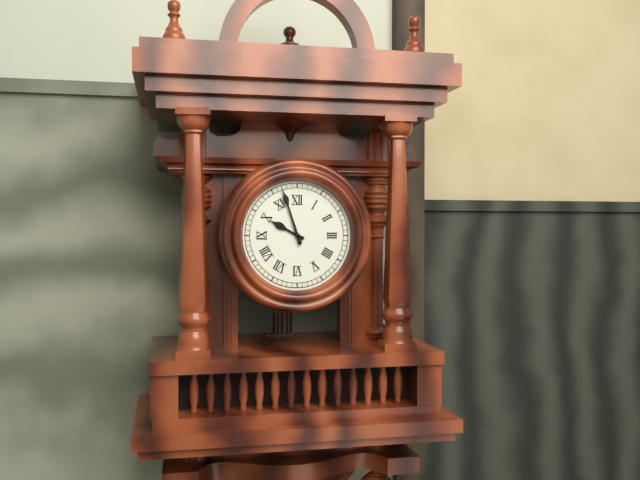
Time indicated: 9:57
